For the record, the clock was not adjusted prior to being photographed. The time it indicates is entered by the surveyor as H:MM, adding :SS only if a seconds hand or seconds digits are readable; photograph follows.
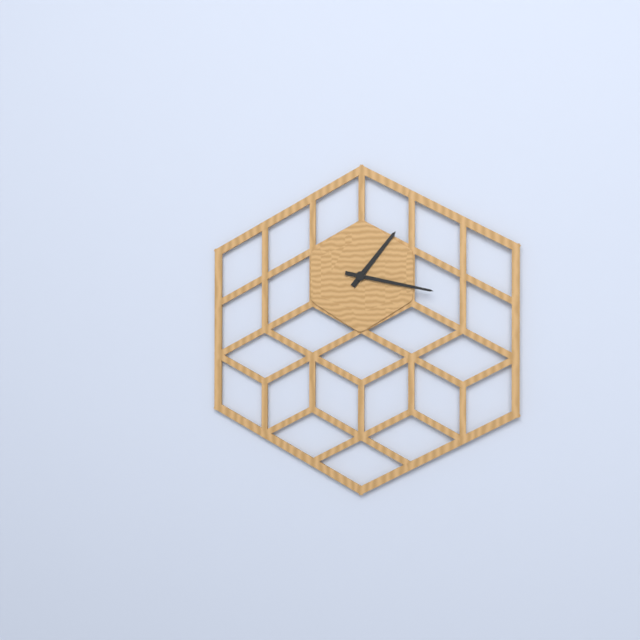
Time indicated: 1:17
